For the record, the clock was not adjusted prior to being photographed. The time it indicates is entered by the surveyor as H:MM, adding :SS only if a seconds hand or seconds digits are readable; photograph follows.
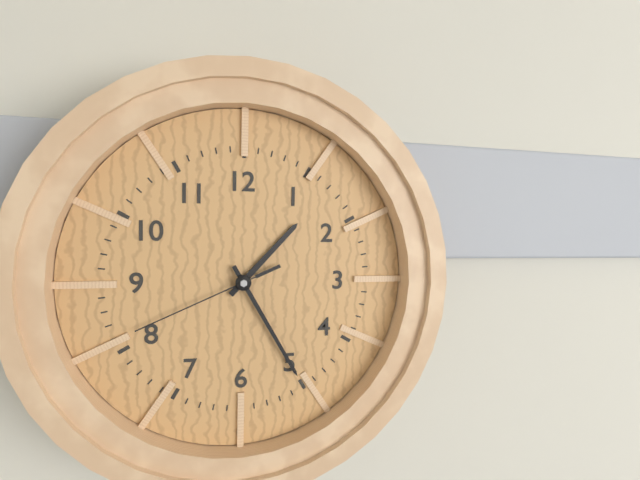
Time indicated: 1:25:41
